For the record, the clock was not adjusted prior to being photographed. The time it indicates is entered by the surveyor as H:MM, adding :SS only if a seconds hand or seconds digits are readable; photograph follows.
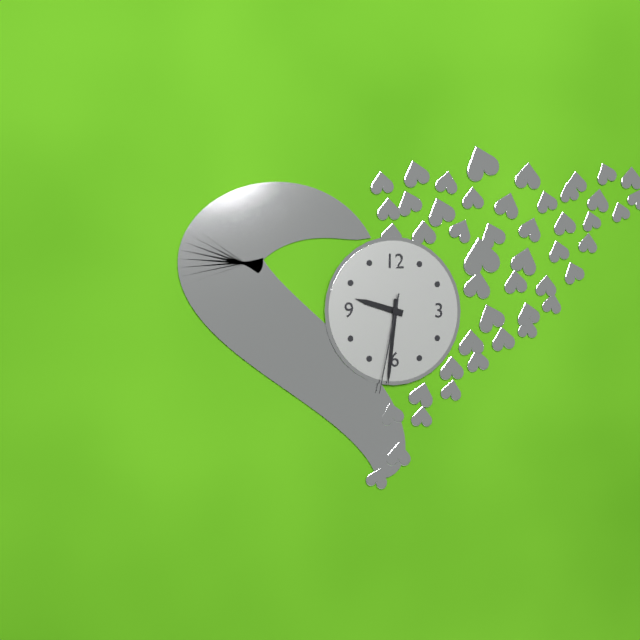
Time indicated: 9:31:32
